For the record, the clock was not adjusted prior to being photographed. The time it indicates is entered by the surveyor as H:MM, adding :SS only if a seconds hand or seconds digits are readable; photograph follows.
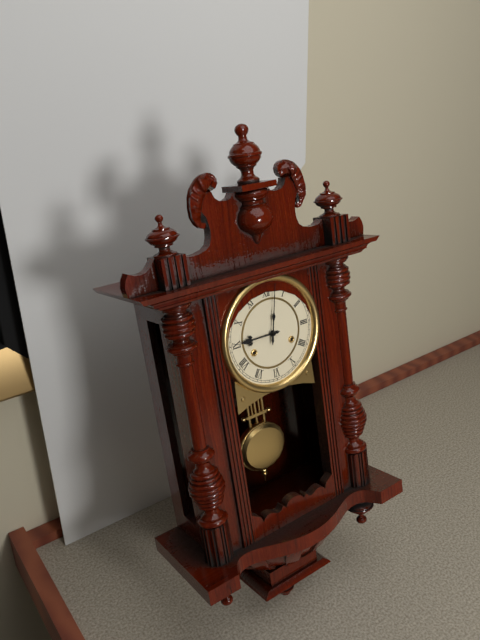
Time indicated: 9:02
